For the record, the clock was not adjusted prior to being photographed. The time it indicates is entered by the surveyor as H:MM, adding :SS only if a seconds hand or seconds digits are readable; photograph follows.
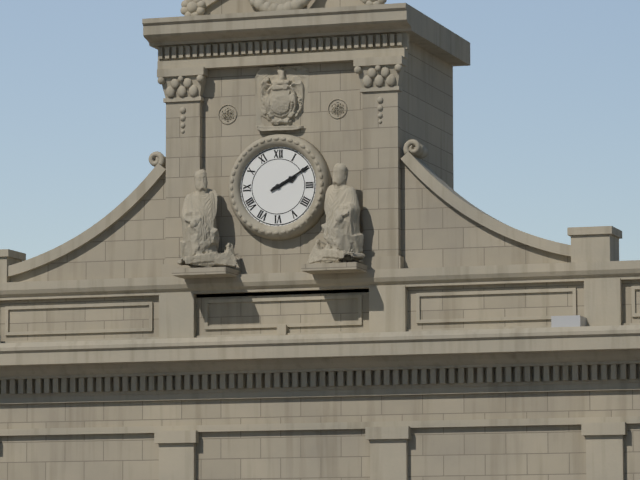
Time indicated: 2:10
